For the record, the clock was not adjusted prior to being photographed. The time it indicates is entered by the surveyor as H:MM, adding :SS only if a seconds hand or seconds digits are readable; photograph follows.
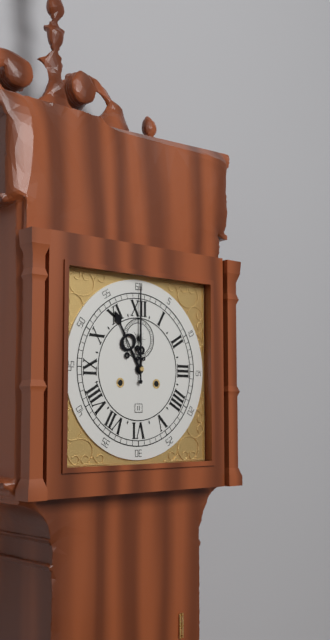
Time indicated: 11:00
